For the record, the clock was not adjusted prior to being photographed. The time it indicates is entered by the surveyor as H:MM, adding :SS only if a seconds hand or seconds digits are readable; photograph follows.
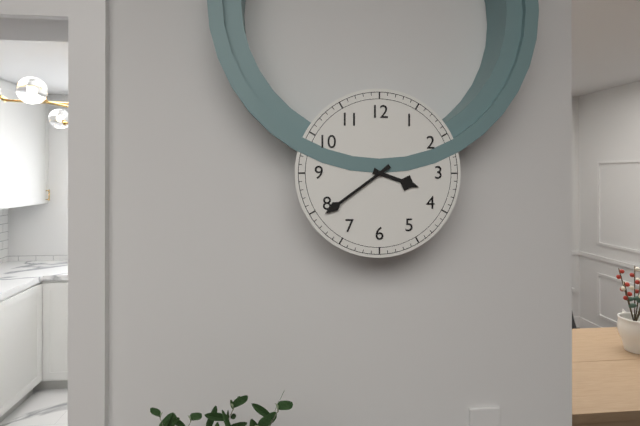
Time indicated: 3:39
